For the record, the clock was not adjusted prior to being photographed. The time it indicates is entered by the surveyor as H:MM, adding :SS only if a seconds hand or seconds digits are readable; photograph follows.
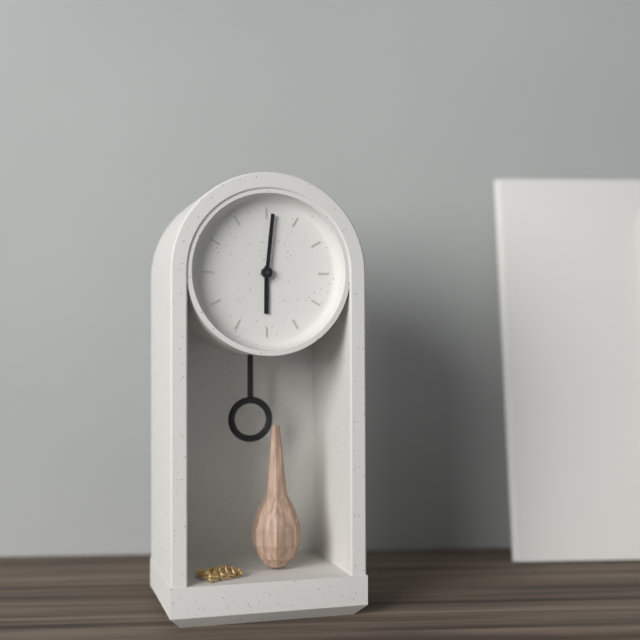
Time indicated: 6:01
